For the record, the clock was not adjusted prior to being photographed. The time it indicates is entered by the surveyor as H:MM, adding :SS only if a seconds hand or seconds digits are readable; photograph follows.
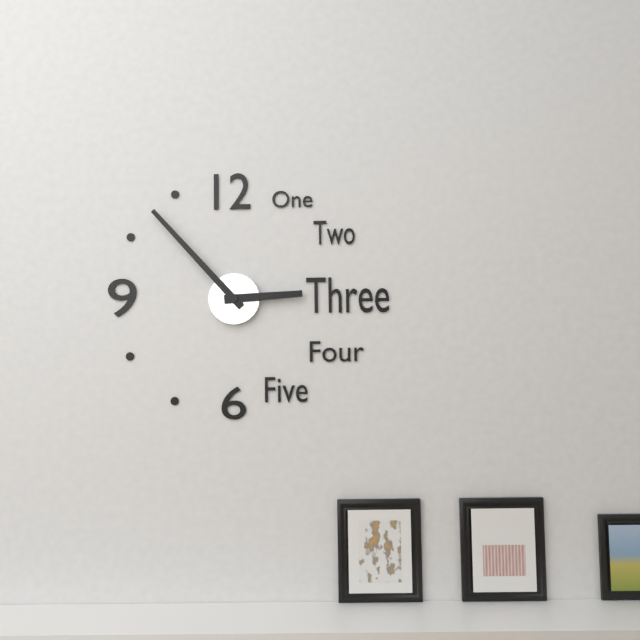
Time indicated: 2:53
